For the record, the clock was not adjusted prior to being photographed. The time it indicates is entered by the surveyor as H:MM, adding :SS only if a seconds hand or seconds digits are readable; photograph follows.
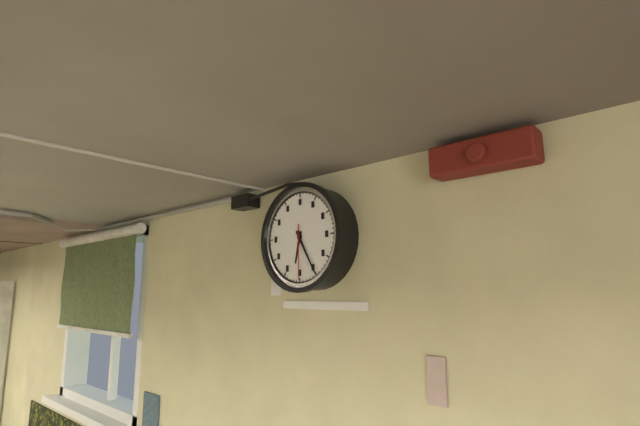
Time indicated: 6:25:30
